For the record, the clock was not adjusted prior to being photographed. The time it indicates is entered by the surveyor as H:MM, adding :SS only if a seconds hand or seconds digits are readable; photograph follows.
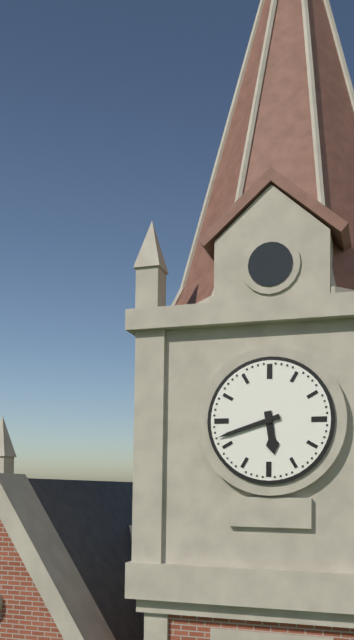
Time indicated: 5:42
